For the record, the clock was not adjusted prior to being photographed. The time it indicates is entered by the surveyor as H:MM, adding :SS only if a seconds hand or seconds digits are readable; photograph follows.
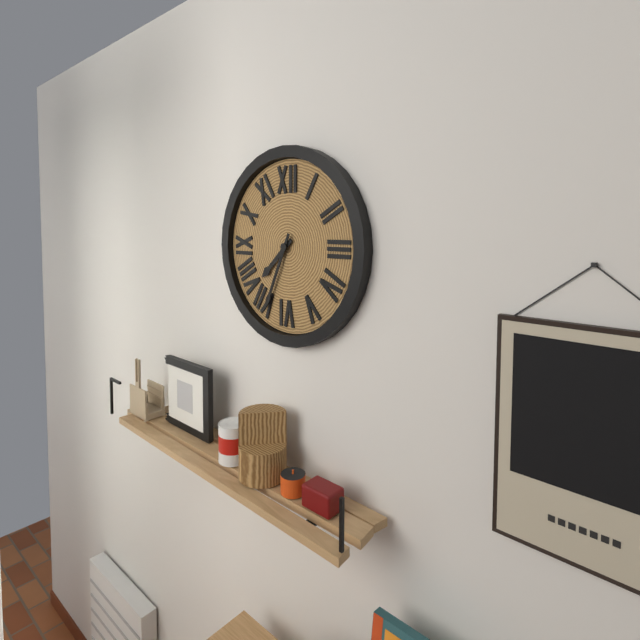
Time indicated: 7:34
